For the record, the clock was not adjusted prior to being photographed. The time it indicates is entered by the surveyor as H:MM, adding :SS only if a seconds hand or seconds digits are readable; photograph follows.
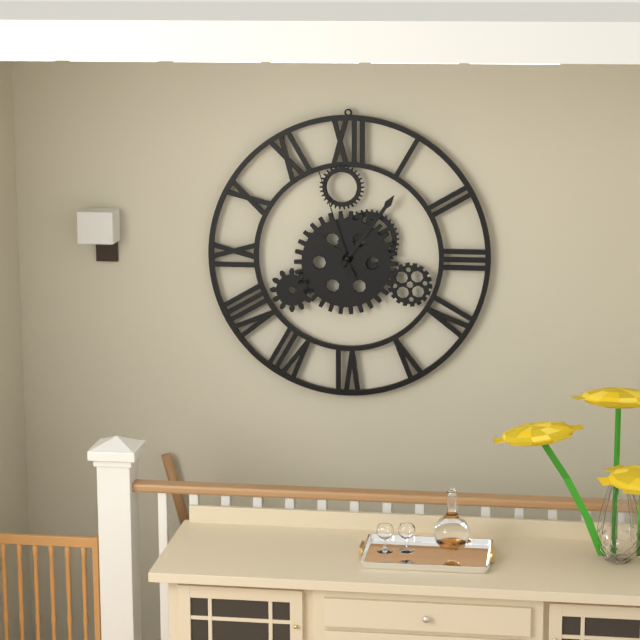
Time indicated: 10:06:57
